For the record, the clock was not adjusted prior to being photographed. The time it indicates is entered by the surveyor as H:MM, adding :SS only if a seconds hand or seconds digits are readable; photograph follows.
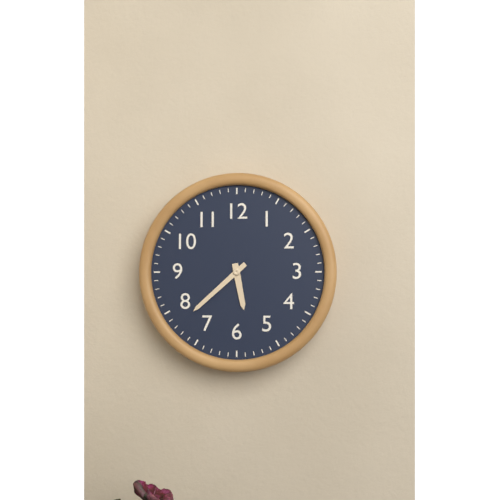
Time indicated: 5:38
